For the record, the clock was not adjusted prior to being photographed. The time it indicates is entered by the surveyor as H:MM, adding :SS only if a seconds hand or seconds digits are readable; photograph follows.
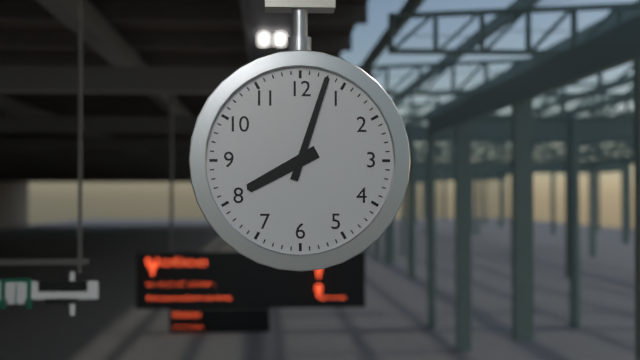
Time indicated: 8:03
